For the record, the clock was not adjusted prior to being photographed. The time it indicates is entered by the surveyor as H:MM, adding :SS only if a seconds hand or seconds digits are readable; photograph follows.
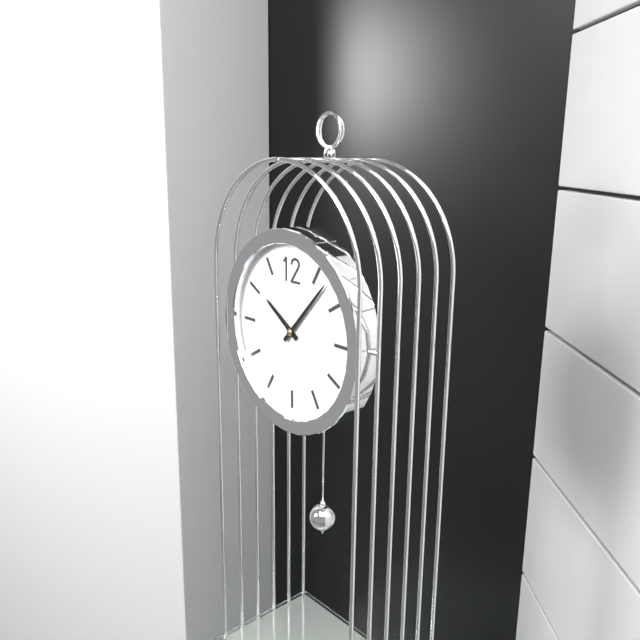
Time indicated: 10:07
